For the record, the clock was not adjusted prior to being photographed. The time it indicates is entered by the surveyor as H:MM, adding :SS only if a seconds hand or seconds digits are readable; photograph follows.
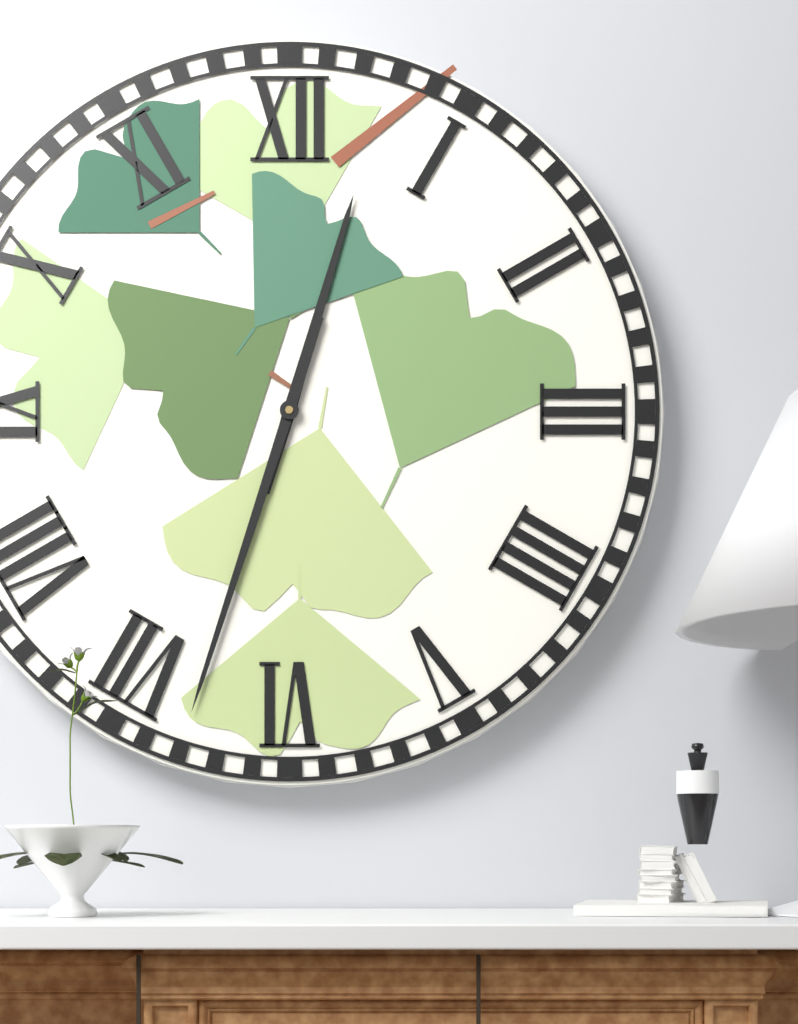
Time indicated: 12:33
